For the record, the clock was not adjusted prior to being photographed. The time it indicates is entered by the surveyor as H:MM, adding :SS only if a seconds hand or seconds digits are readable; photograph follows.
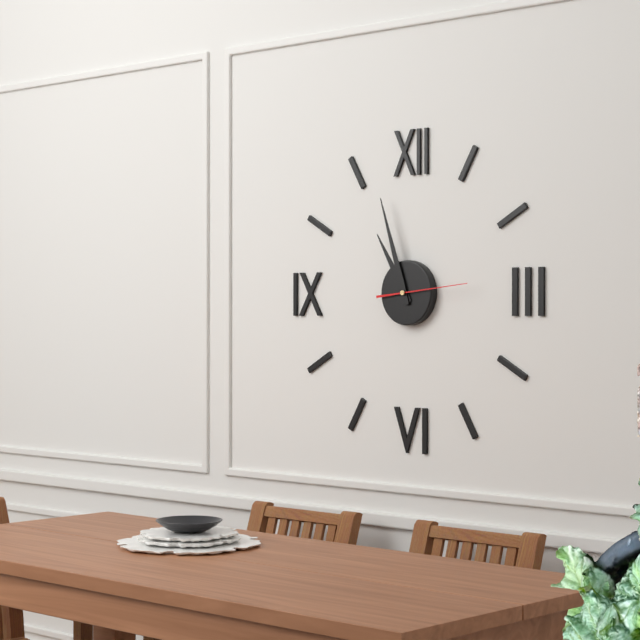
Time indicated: 10:57:14
